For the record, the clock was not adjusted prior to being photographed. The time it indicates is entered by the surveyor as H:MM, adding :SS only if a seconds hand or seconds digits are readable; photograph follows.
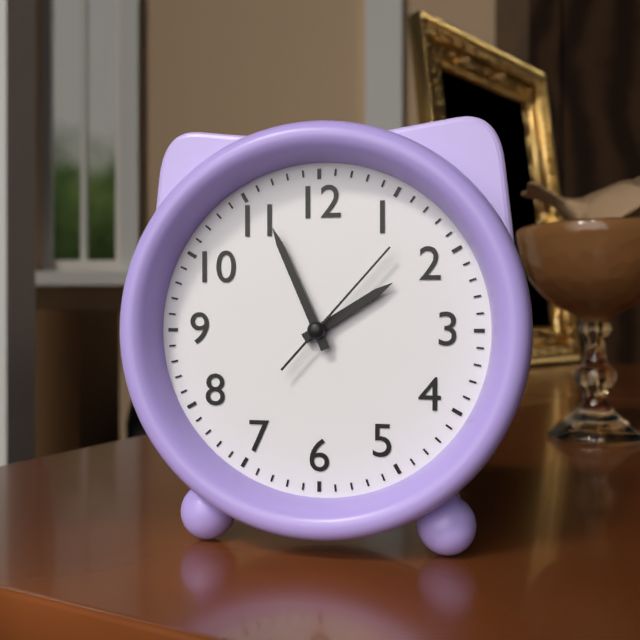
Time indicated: 1:56:07
